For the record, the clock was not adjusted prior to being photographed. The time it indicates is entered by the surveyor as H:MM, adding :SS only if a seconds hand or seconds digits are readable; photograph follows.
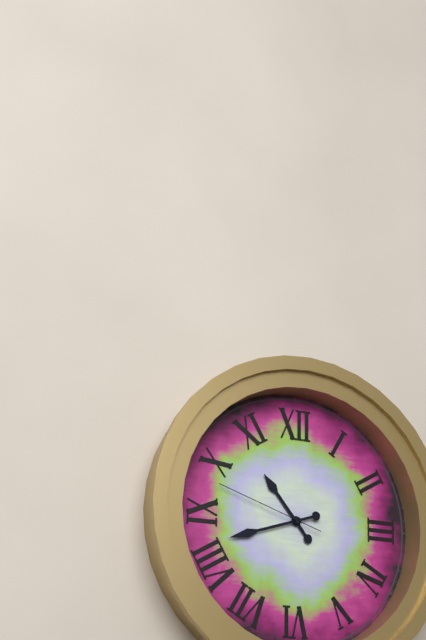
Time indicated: 10:42:48
